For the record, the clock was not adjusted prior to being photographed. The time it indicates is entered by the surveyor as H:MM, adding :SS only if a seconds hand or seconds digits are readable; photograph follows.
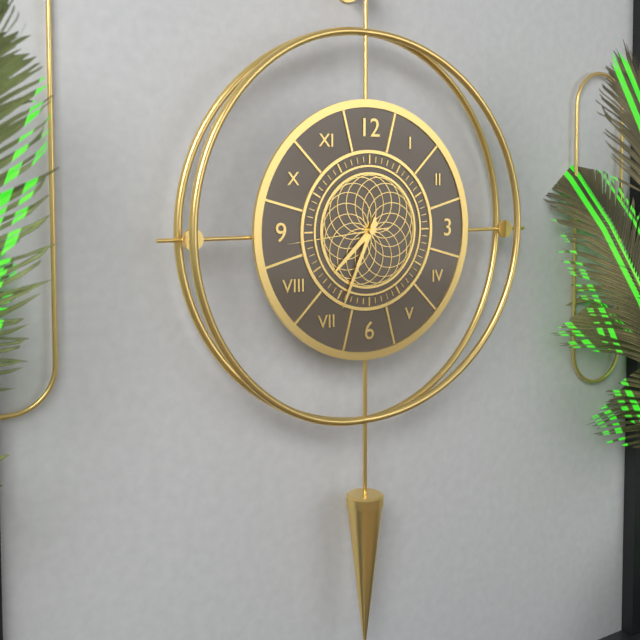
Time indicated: 7:34:44
